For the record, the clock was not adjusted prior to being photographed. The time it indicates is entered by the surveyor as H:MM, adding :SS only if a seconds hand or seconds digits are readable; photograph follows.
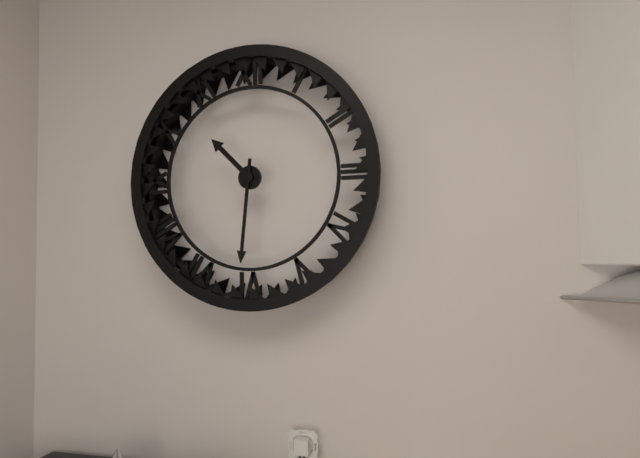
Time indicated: 10:31
